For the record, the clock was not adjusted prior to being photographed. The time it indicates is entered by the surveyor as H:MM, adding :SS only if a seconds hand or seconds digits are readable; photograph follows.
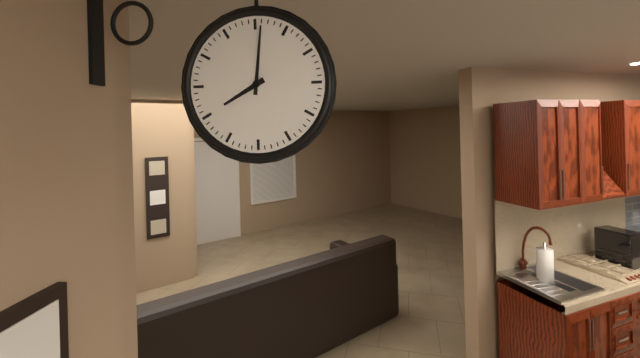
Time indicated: 8:01
